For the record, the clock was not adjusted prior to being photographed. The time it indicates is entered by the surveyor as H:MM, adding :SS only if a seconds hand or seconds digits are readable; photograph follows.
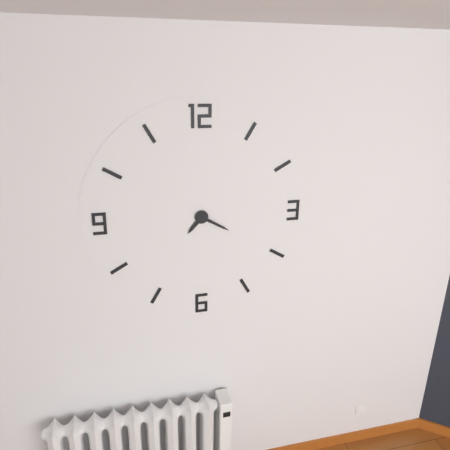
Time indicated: 7:20
